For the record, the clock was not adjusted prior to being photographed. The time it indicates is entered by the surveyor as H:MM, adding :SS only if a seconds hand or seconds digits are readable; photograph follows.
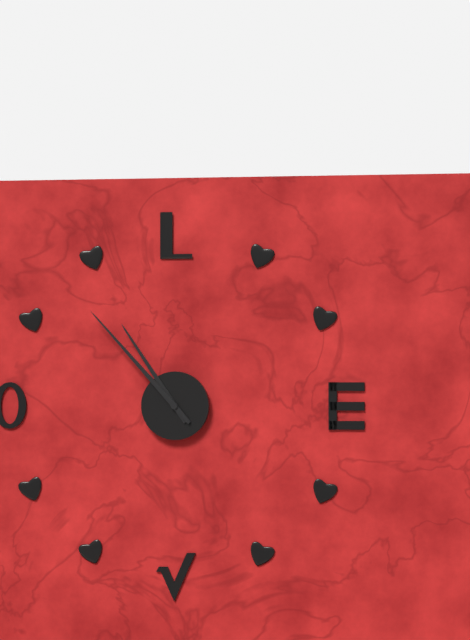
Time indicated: 10:53
